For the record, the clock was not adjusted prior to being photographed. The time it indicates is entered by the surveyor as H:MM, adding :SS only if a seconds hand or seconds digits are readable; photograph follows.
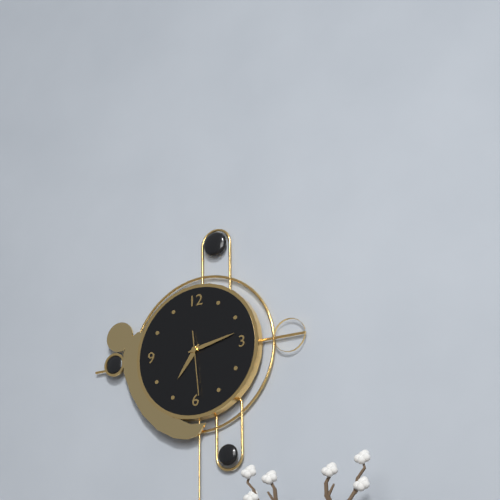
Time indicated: 7:13:29
